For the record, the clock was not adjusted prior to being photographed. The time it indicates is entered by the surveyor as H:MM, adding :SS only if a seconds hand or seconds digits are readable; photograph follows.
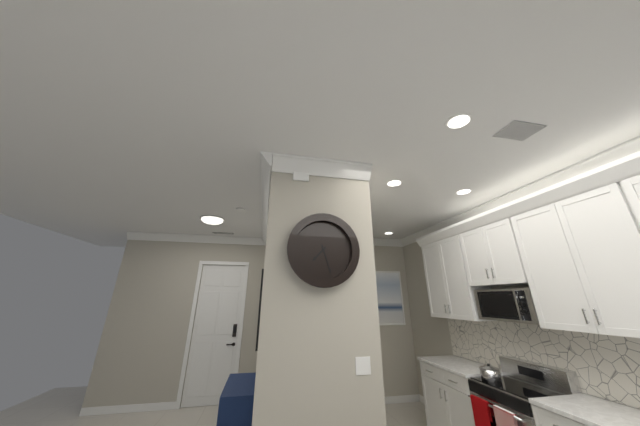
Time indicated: 7:27
